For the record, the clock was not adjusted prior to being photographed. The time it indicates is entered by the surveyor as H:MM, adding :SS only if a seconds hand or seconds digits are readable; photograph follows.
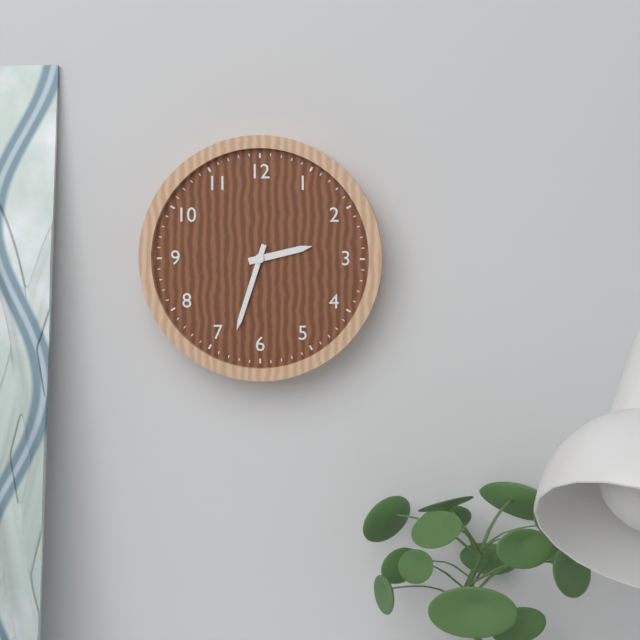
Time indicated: 2:33
